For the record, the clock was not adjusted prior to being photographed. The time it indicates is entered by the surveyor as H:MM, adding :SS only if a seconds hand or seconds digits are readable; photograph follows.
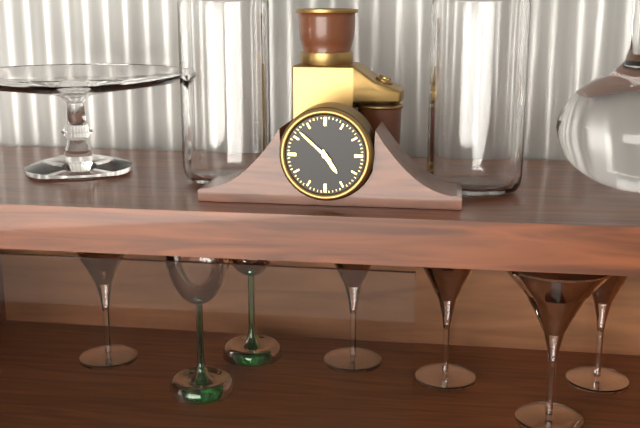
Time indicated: 4:52
